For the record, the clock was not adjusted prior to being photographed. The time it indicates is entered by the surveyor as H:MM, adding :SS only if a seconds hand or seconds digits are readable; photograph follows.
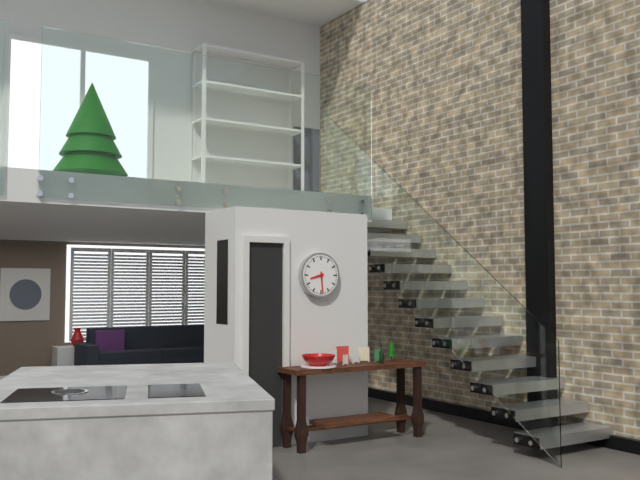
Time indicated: 8:29
